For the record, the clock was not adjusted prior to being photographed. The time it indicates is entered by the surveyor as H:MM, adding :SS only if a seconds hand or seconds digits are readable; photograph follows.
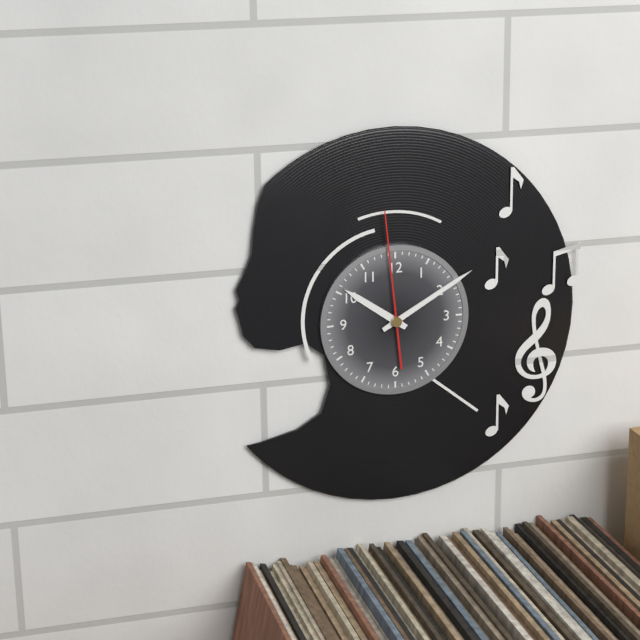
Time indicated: 10:10:59
